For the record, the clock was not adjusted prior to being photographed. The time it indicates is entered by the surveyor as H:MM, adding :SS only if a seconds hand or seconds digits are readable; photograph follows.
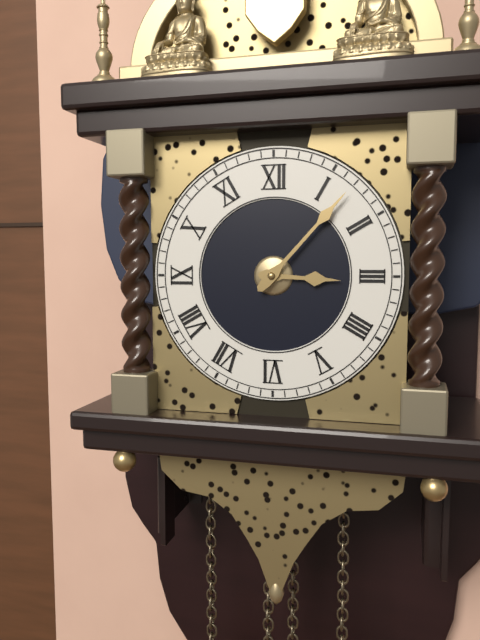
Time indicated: 3:07
